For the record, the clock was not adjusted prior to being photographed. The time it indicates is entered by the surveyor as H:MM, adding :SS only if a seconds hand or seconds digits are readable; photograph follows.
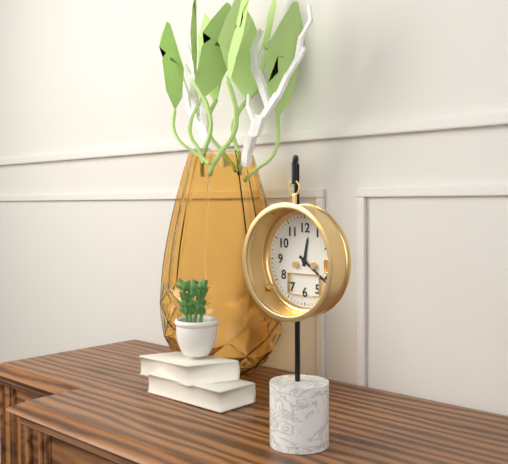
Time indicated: 12:21
